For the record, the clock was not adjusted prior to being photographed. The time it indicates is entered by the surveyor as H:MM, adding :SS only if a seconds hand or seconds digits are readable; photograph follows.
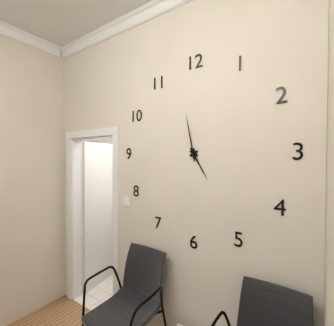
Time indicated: 4:58
